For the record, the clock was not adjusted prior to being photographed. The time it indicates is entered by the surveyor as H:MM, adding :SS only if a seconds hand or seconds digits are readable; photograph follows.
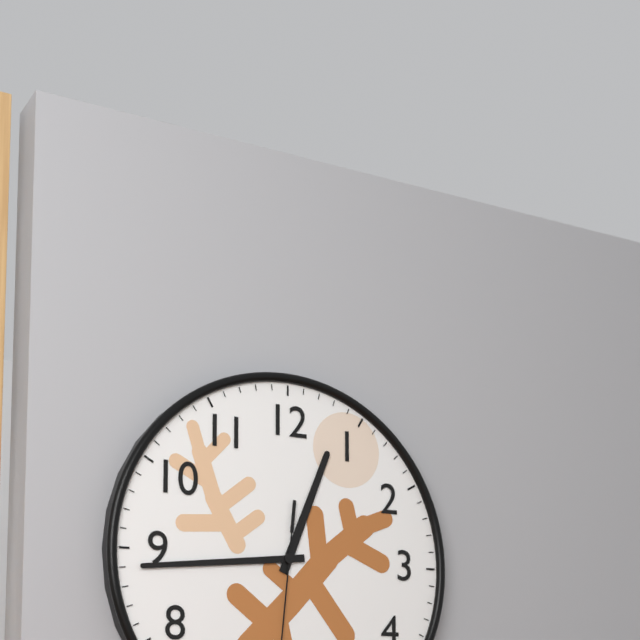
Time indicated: 12:44
